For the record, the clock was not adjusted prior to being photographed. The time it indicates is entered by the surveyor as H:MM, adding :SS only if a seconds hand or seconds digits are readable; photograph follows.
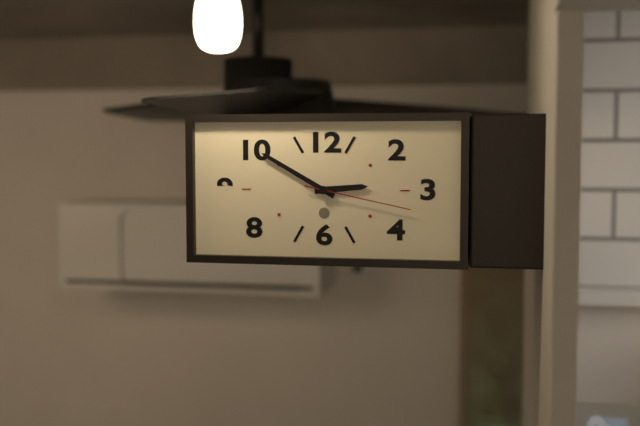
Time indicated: 2:50:17
